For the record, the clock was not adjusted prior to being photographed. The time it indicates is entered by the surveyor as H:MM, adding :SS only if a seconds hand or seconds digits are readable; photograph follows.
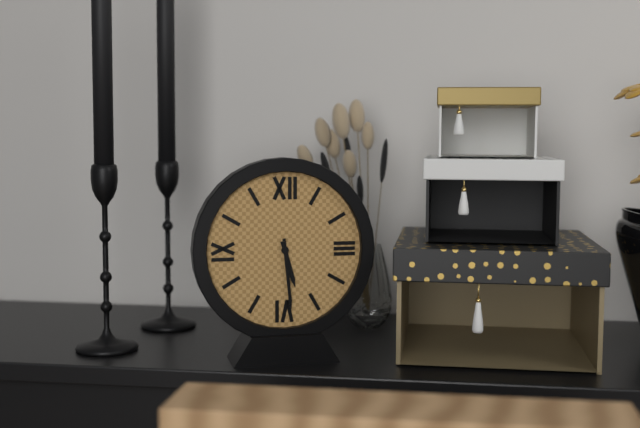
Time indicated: 5:29
